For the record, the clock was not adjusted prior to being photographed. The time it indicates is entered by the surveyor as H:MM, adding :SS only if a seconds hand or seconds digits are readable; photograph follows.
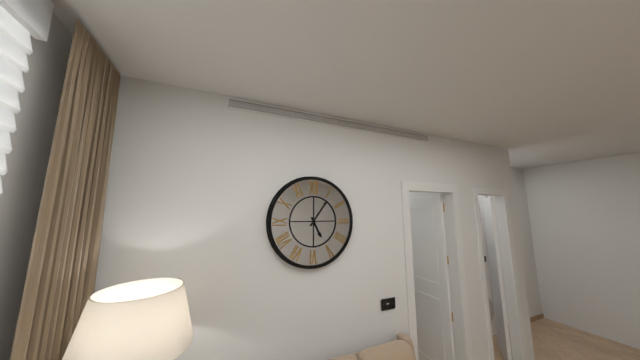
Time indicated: 5:06
